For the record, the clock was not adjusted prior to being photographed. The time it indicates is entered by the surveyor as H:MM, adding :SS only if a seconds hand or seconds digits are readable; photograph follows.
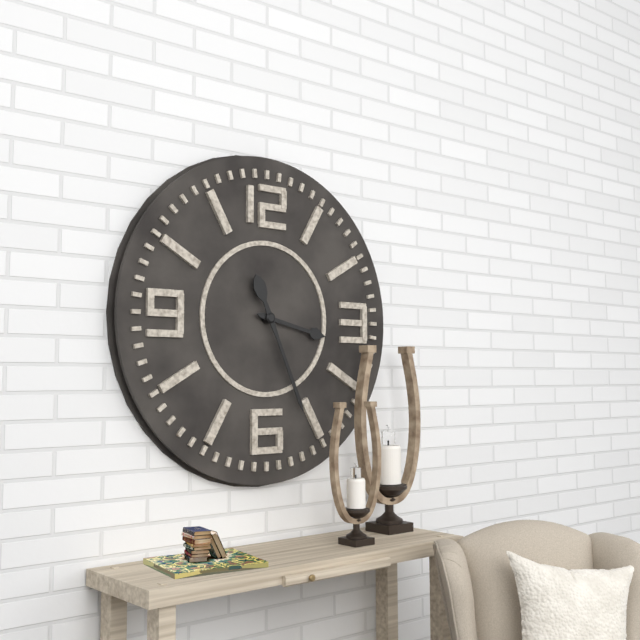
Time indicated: 3:26
